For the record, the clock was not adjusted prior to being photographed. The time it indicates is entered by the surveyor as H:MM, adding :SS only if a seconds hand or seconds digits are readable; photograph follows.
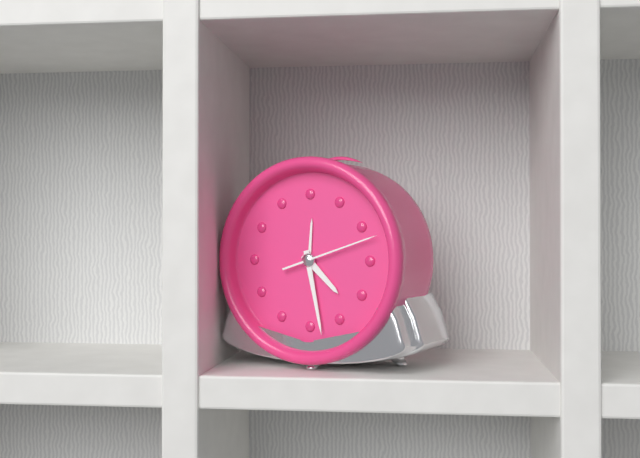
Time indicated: 4:28:12
